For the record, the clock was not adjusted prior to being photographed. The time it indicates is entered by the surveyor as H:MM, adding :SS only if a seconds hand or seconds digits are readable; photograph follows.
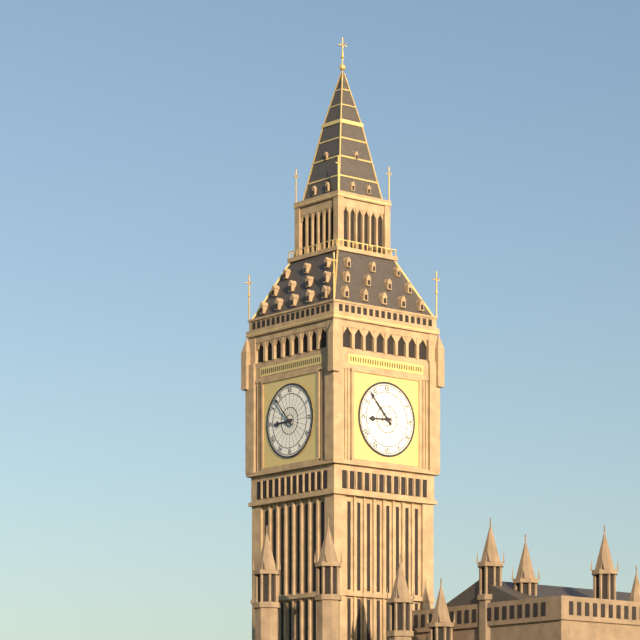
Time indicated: 8:53
